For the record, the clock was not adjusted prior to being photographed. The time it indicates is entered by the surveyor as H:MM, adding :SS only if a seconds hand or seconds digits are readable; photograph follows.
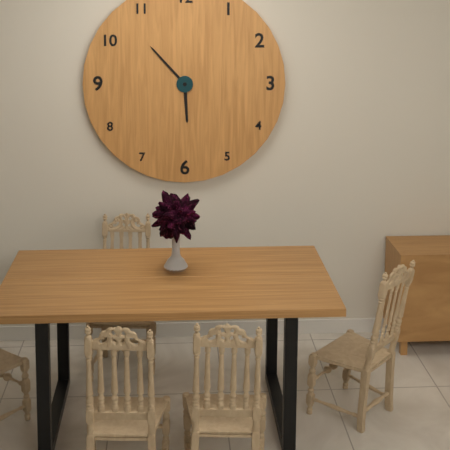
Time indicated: 5:53
